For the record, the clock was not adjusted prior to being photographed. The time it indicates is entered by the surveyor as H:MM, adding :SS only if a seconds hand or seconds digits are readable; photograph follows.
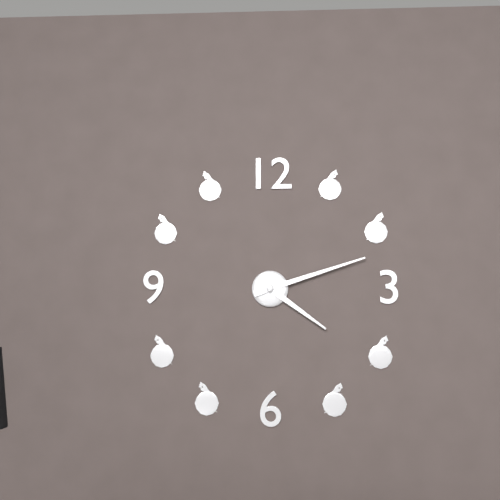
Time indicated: 4:12
